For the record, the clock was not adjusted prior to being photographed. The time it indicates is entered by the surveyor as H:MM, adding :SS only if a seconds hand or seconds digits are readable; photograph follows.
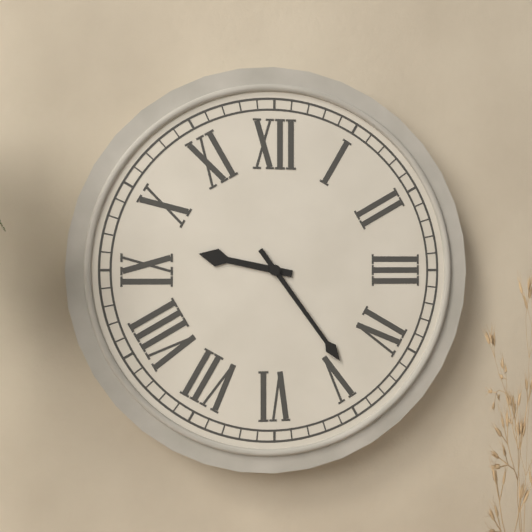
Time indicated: 9:24
